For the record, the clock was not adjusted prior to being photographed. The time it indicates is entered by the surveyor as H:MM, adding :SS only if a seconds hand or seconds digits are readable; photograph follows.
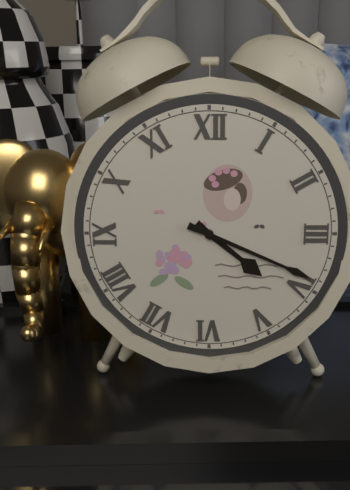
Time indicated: 4:19
